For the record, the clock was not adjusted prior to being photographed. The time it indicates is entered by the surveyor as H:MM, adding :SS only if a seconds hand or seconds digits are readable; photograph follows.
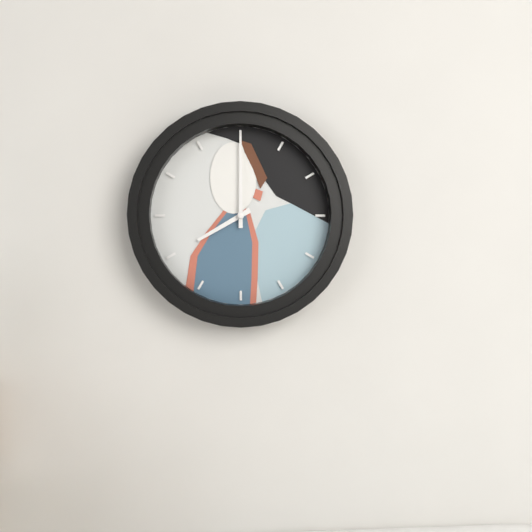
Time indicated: 8:00
